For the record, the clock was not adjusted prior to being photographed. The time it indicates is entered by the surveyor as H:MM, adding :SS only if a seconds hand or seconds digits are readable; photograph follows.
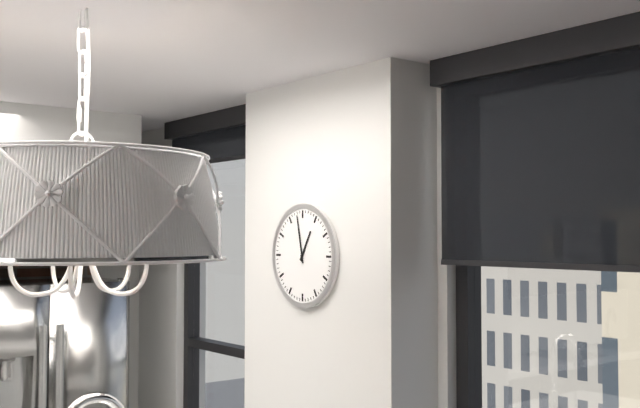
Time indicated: 12:58
